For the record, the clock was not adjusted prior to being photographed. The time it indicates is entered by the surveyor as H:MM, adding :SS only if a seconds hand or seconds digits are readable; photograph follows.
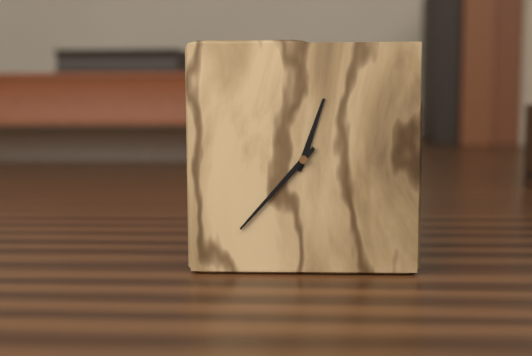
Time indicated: 12:37
